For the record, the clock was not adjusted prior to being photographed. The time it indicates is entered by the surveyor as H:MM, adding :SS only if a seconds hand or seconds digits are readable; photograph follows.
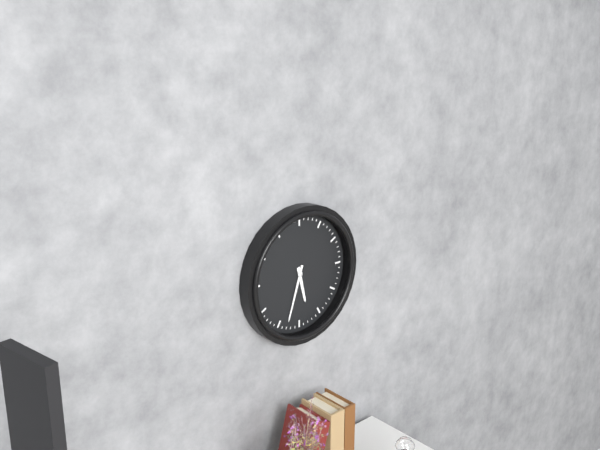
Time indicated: 5:33
